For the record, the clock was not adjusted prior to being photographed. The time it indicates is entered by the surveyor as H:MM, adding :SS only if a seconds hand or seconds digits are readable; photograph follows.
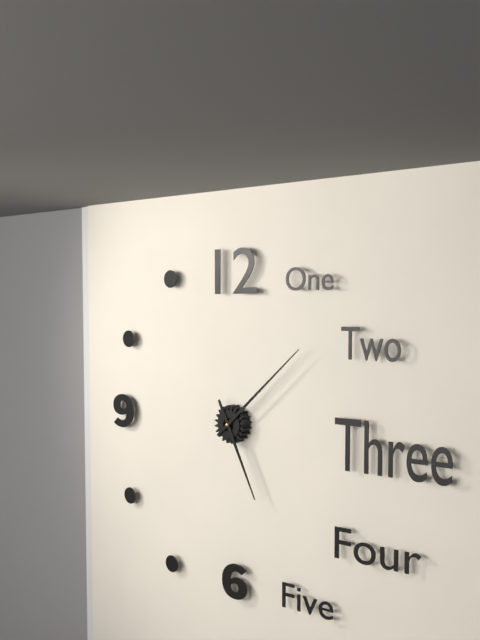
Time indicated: 5:08
